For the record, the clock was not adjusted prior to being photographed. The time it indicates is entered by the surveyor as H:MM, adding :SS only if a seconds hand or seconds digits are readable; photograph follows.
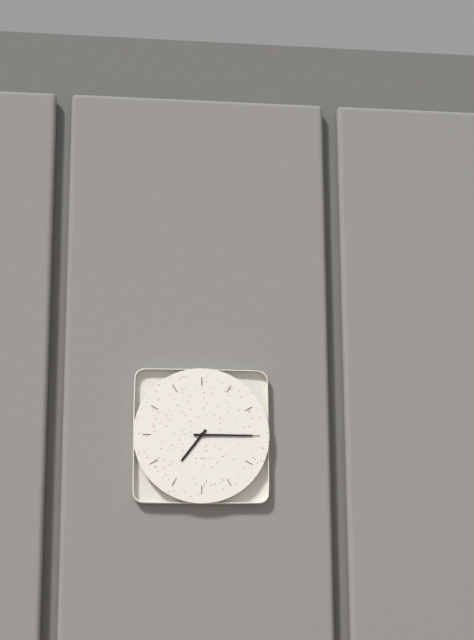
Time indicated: 7:15
